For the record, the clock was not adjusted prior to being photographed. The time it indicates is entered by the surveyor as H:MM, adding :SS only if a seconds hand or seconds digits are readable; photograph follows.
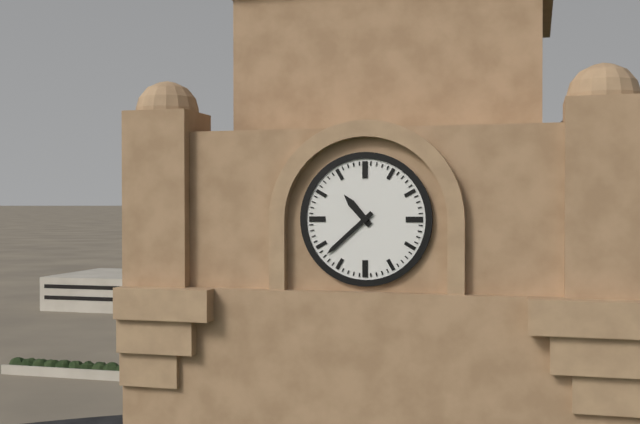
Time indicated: 10:38
